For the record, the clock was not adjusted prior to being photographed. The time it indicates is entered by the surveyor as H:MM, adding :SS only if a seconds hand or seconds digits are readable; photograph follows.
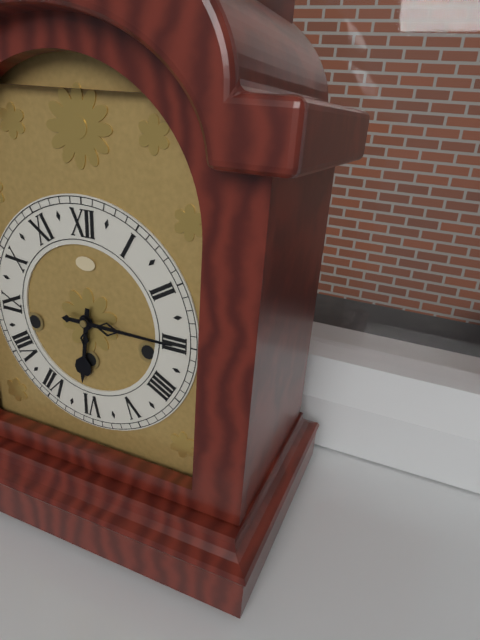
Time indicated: 6:15
